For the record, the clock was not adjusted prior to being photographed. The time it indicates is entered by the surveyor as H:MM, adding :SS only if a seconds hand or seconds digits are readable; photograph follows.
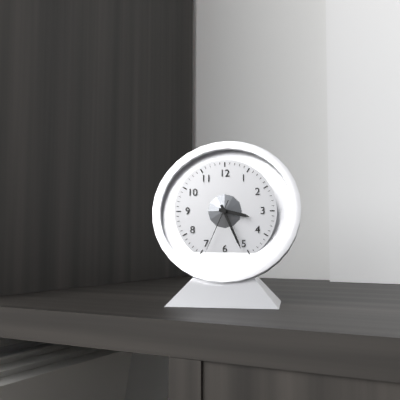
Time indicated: 3:26:34
